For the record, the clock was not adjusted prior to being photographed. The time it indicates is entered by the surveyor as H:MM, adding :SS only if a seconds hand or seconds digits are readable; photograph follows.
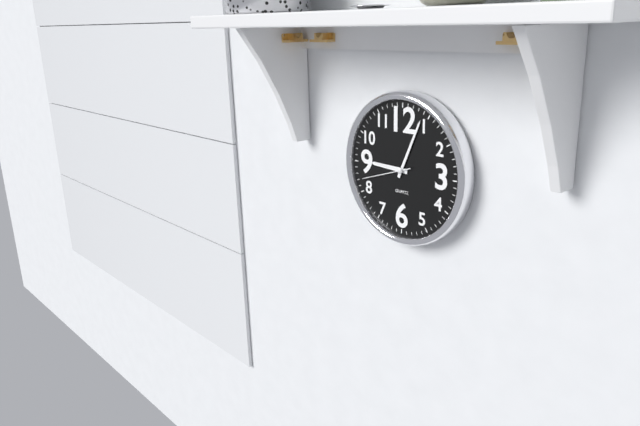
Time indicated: 9:04
